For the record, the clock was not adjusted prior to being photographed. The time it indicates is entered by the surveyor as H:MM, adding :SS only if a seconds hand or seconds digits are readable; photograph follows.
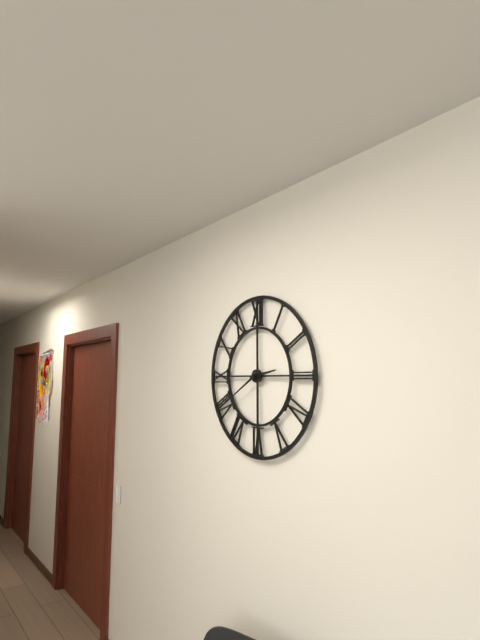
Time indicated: 2:40
